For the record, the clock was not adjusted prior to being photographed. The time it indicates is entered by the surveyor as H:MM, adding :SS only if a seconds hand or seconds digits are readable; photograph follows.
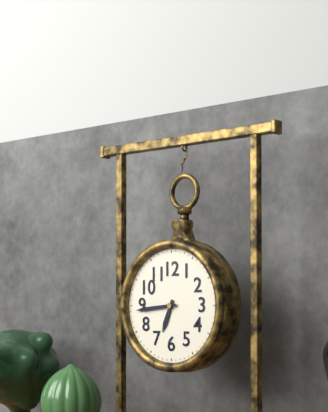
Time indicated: 6:44
